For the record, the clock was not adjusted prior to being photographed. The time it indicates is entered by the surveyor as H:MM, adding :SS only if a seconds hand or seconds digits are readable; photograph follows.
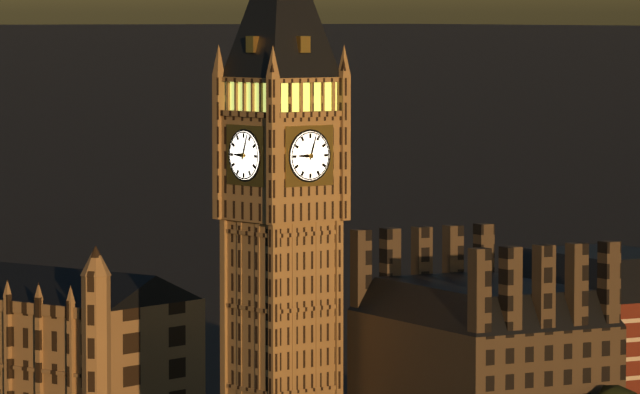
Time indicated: 9:03
